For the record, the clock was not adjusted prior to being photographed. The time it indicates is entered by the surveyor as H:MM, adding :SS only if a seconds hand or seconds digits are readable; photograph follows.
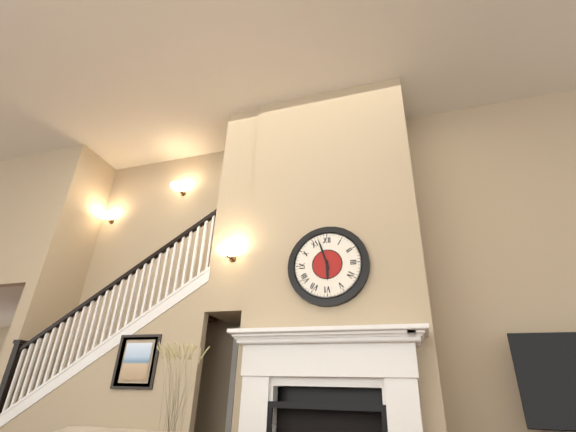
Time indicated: 5:57
